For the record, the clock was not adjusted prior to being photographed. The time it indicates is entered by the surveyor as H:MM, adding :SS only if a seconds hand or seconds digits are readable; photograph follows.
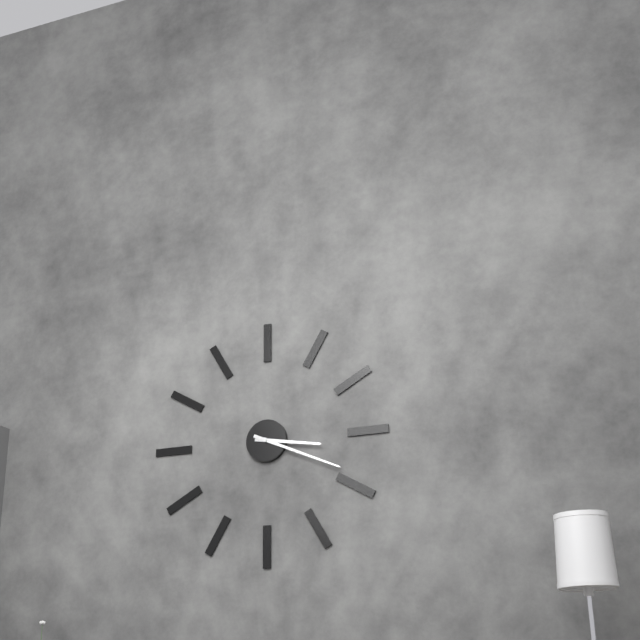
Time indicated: 3:19
